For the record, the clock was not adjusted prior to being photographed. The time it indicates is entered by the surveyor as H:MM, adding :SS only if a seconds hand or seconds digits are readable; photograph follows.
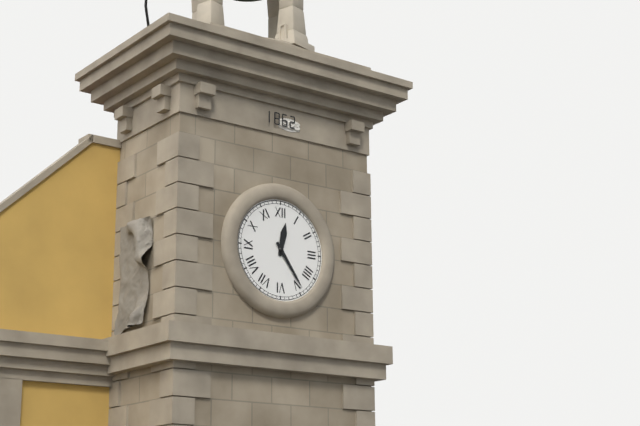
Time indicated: 12:24
